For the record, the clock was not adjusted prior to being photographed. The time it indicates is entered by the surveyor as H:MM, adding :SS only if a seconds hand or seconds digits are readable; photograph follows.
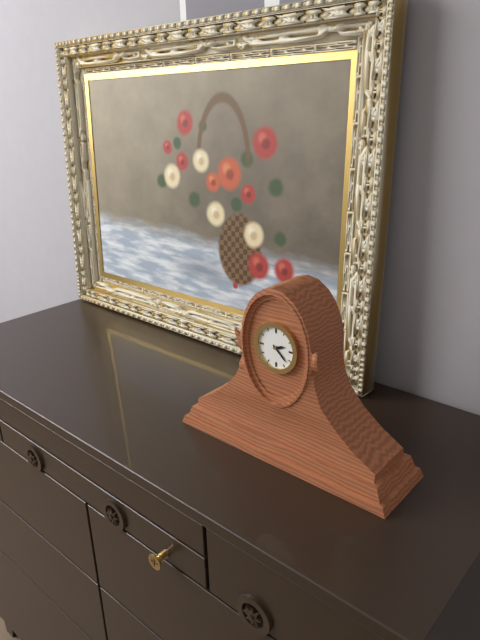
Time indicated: 2:22
